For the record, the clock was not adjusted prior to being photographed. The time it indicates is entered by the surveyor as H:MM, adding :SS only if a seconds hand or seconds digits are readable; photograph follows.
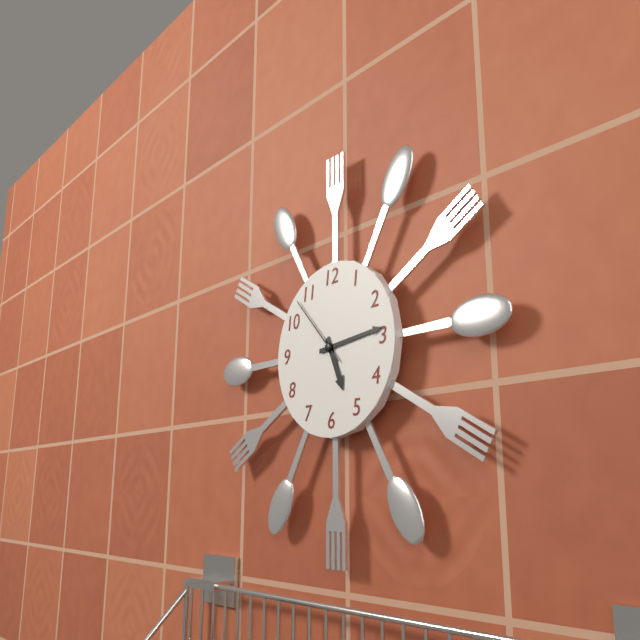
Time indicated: 5:14:53
